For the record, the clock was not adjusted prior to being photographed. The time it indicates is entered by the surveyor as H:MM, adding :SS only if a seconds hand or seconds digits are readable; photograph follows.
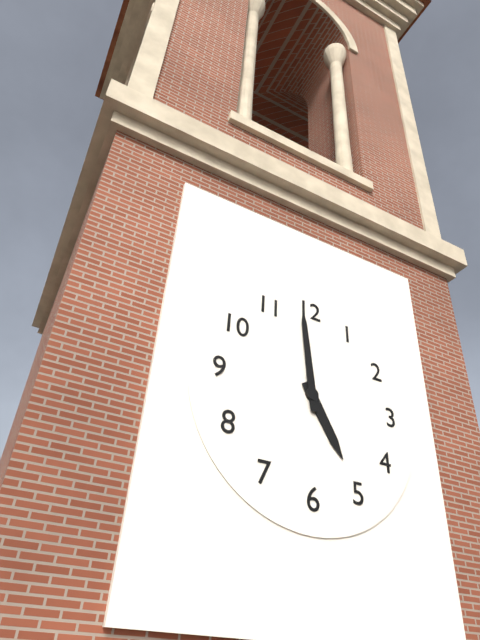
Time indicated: 4:59
